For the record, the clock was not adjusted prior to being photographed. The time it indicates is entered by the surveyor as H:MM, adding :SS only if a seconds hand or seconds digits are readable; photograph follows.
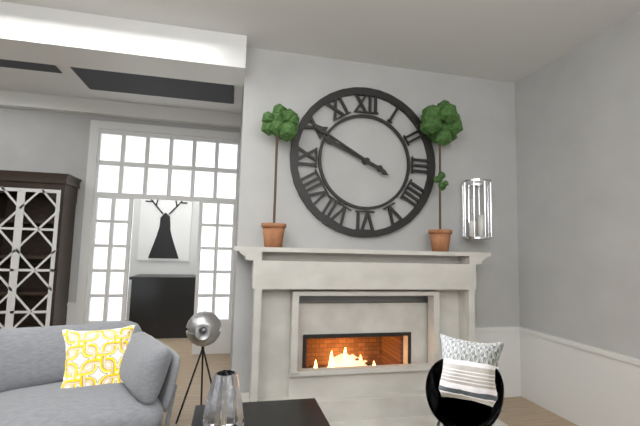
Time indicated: 9:50
